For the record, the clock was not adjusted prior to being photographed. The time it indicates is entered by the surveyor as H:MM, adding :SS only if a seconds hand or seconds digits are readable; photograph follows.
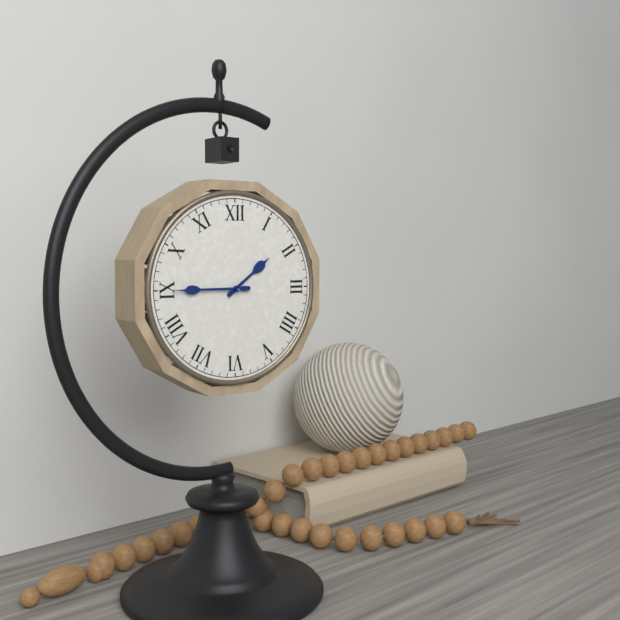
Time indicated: 1:45
